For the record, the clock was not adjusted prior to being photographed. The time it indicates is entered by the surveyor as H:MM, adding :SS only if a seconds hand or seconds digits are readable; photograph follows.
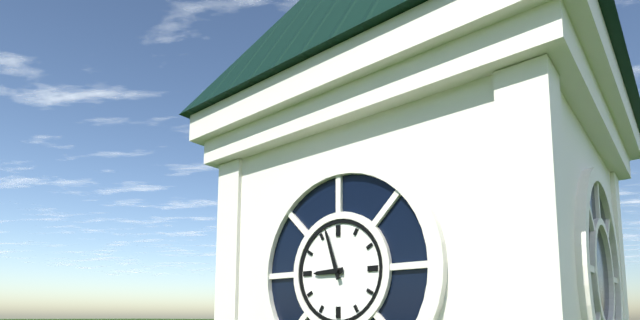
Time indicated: 8:57
